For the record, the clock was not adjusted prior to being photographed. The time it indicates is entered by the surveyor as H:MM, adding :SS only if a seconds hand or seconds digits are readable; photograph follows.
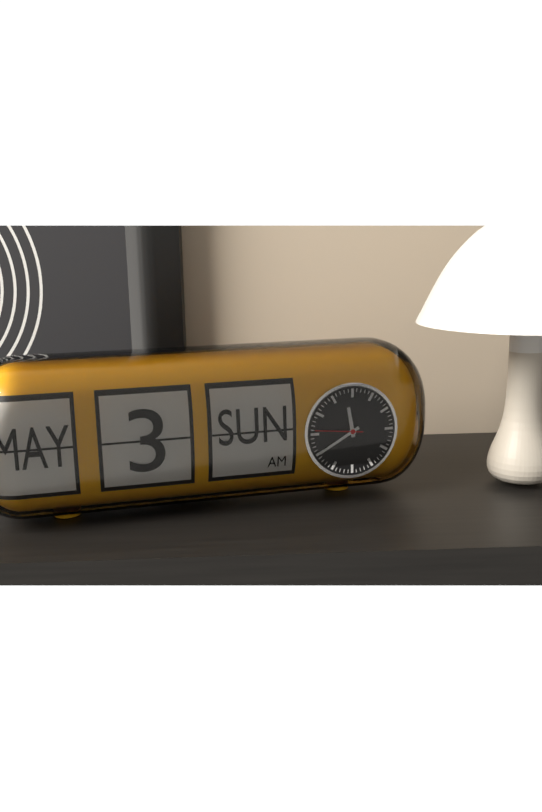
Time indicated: 11:40
